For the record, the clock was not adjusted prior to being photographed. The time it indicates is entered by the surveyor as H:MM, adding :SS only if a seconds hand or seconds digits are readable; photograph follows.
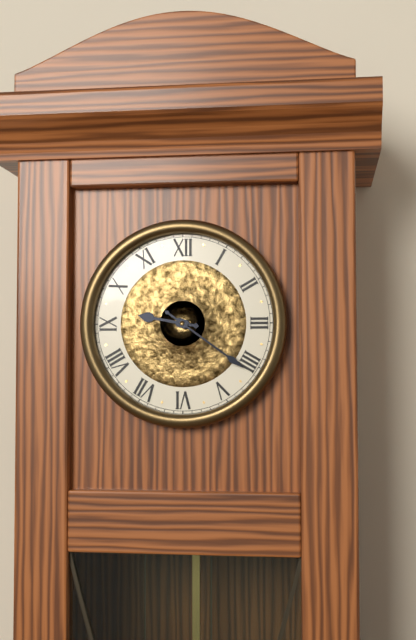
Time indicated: 9:21
